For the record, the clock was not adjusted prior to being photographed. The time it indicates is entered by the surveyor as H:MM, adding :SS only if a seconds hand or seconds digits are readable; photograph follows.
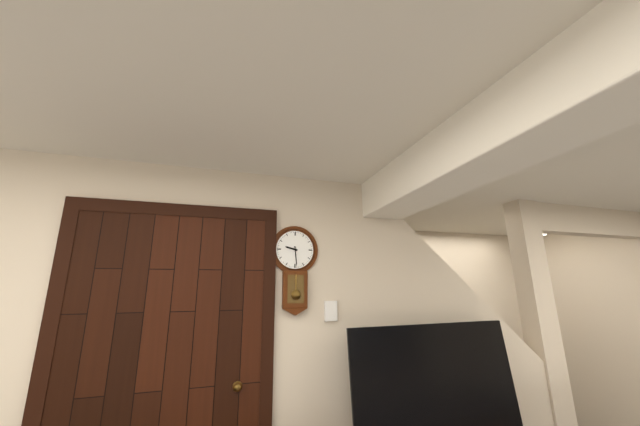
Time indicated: 9:29
